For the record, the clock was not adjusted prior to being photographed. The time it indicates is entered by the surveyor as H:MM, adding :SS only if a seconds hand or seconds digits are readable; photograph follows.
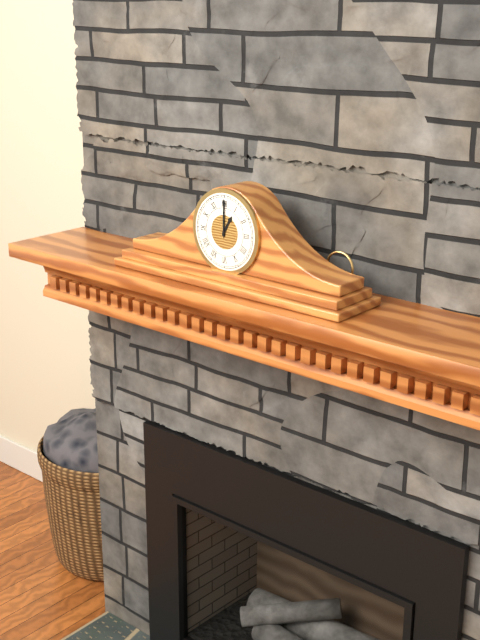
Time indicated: 1:00
